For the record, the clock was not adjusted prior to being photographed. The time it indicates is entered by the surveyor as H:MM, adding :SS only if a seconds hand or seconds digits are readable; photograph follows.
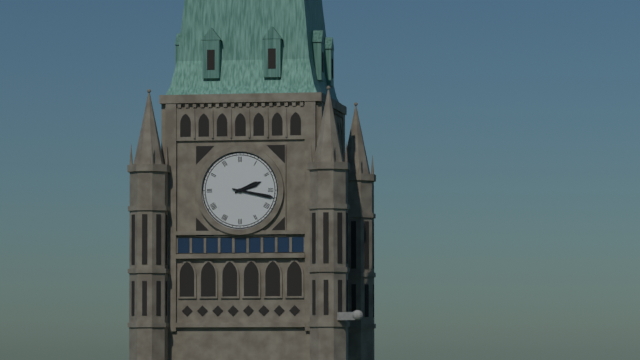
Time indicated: 2:17
